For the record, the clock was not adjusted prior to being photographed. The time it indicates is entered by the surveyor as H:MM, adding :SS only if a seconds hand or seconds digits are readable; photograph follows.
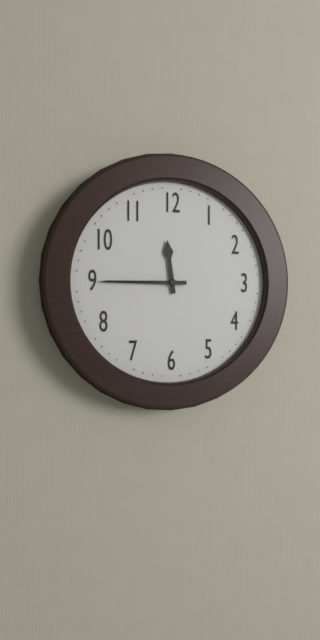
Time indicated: 11:45
